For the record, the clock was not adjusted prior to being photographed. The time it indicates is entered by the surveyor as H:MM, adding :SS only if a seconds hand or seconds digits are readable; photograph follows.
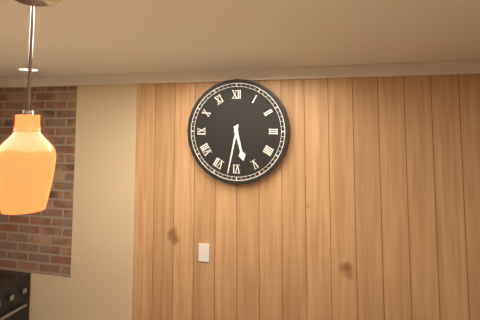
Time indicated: 5:32
